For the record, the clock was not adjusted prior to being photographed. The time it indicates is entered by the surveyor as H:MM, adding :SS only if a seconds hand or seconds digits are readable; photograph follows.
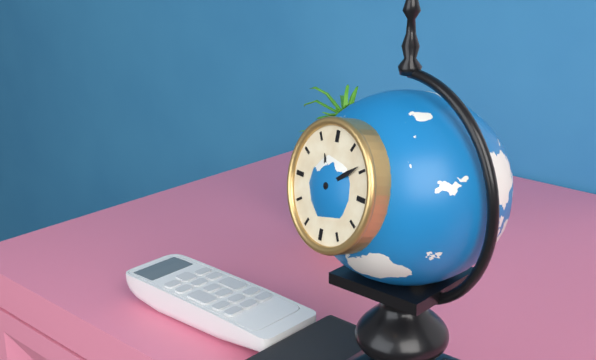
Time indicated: 11:09
